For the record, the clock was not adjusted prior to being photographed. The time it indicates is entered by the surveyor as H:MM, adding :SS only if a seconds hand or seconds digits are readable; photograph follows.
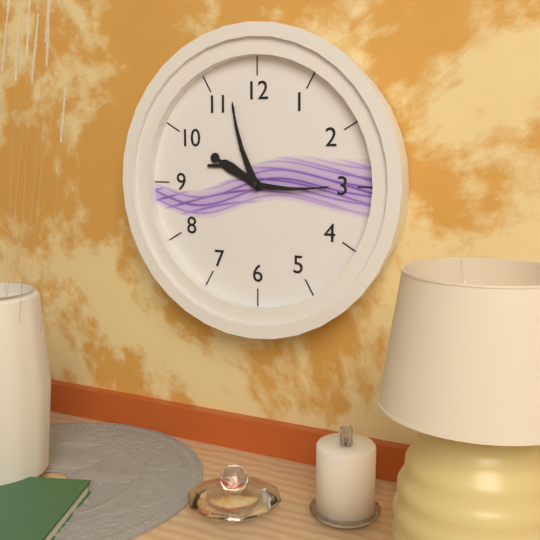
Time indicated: 9:57:15
